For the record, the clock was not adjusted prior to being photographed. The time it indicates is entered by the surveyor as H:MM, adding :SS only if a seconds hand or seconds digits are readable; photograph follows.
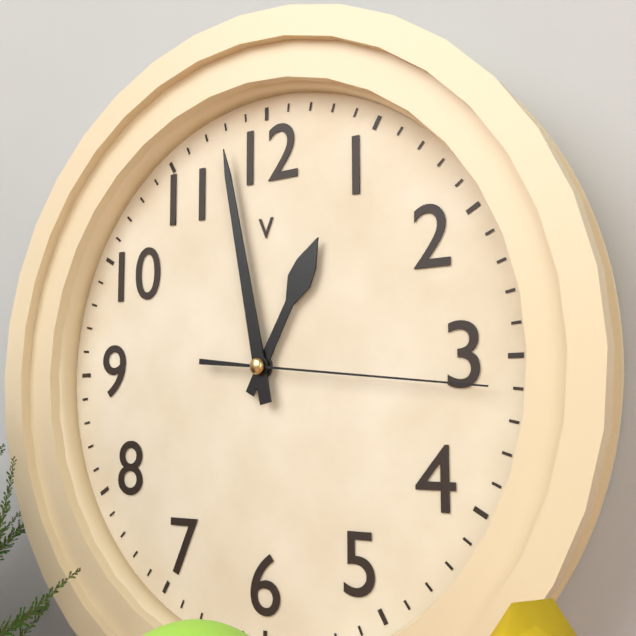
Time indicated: 12:58:16
